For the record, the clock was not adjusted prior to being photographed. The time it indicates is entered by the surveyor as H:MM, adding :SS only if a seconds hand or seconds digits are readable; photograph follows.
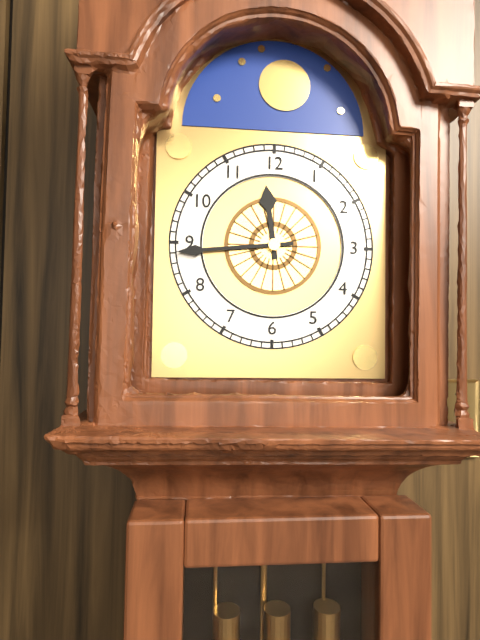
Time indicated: 11:44
